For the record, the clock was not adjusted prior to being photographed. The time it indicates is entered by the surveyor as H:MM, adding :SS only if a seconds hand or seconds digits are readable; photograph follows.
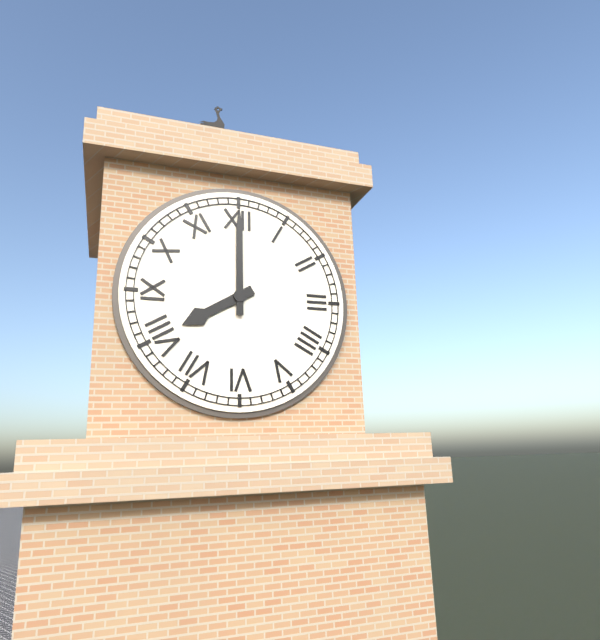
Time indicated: 8:00
